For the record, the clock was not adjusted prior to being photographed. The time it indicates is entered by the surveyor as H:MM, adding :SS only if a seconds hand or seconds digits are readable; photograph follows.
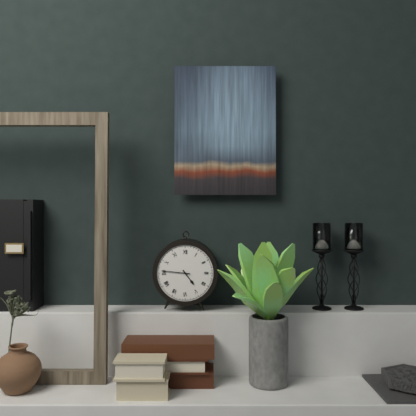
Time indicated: 4:46
